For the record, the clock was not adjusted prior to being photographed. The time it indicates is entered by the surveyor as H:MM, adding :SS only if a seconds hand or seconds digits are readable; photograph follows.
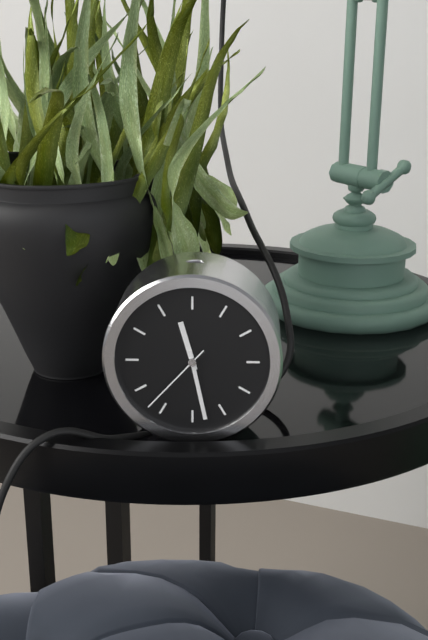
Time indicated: 11:28:37
